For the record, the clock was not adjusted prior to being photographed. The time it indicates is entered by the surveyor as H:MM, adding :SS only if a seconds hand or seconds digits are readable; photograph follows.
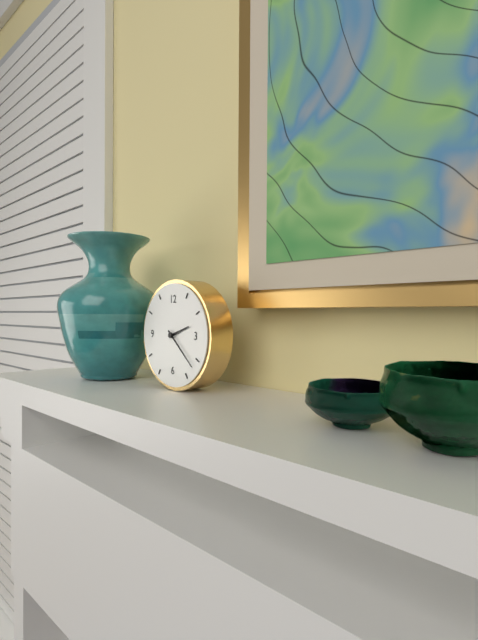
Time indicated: 2:22
